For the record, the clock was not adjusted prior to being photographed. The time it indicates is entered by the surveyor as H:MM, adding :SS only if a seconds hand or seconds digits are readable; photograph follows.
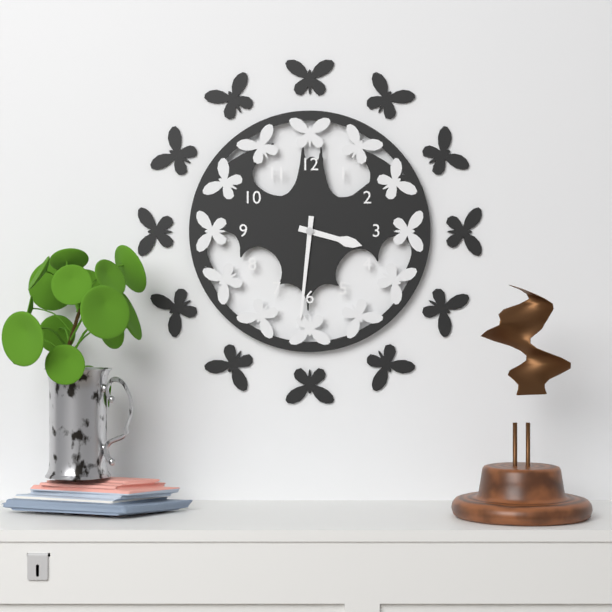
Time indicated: 3:31
